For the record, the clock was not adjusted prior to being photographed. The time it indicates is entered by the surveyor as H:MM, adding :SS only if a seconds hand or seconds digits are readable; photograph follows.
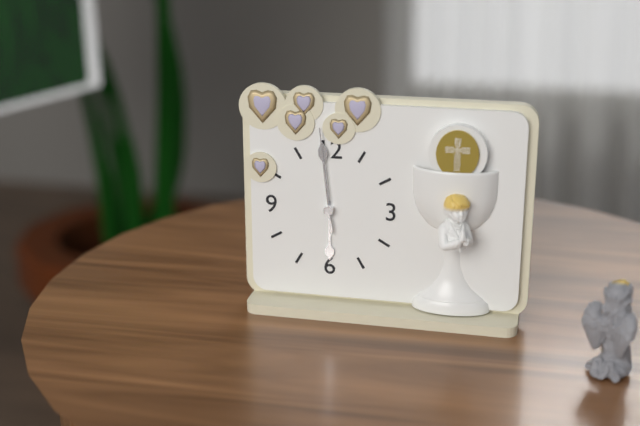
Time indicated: 5:59:59
